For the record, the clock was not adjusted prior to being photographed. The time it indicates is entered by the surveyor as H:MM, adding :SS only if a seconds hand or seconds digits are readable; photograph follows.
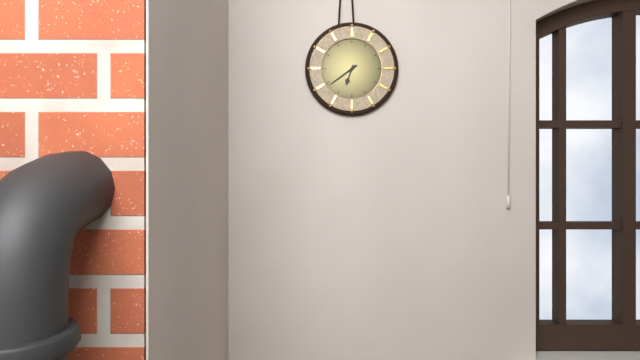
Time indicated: 6:39
